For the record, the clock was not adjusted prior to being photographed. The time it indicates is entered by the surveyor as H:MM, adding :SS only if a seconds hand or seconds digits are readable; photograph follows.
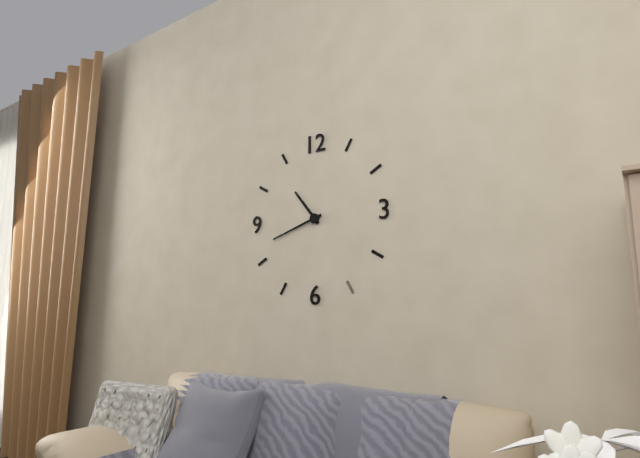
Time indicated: 10:42
